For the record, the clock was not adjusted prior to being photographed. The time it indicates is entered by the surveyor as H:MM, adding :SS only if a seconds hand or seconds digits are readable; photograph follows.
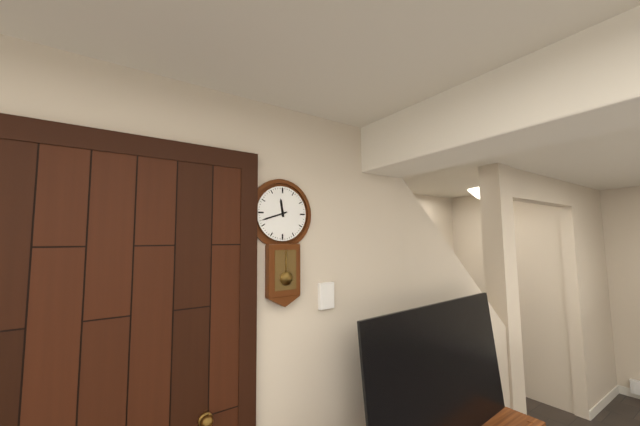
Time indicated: 11:42
